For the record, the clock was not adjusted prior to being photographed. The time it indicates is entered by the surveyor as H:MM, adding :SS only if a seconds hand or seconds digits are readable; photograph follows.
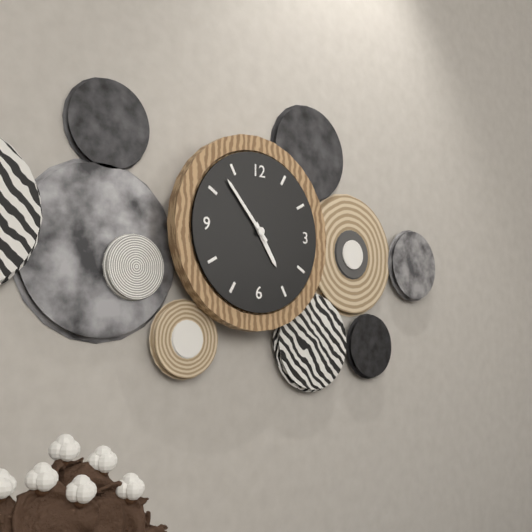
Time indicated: 4:53
